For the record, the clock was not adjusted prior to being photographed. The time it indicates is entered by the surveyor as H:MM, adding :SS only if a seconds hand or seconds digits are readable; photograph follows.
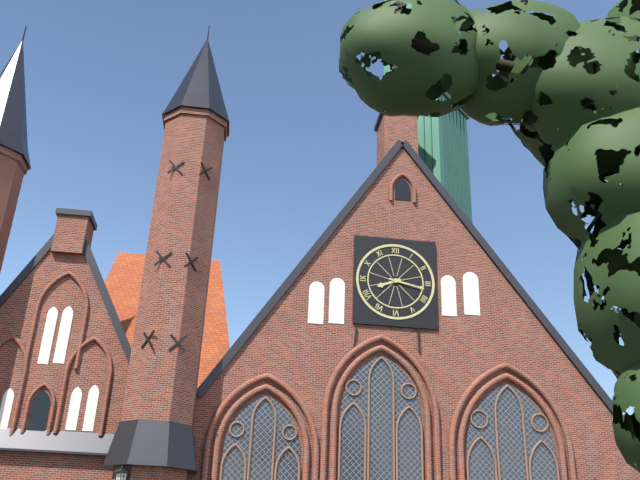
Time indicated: 8:17
